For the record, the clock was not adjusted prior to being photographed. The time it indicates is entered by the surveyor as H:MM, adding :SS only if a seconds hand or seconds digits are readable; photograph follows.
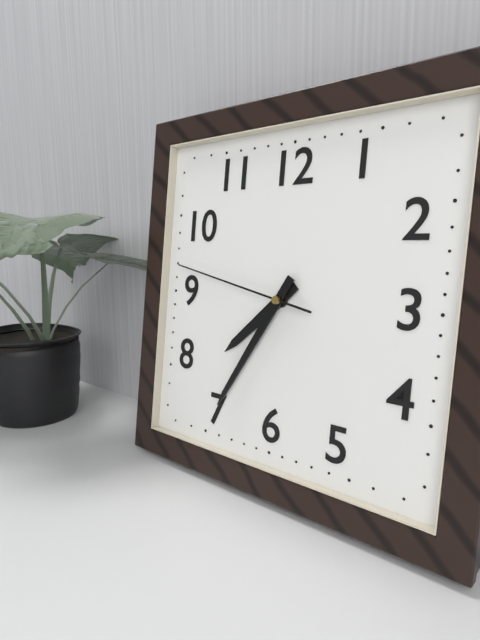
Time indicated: 7:35:47
